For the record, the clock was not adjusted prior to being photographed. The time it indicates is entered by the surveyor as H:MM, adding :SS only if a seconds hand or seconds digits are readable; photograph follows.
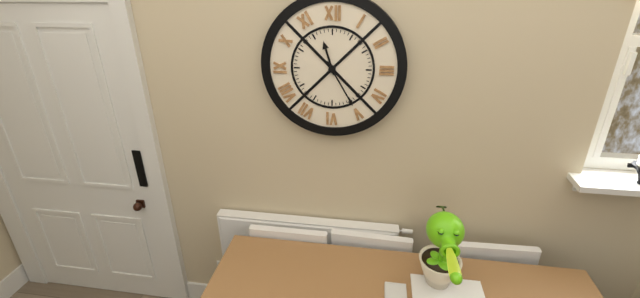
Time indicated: 11:25
